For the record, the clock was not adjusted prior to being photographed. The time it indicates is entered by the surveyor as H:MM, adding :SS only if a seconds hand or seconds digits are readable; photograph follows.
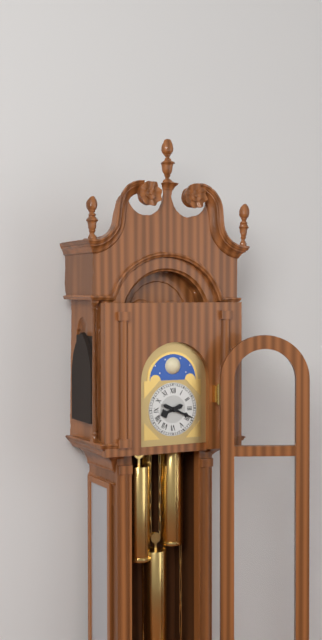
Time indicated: 8:19
